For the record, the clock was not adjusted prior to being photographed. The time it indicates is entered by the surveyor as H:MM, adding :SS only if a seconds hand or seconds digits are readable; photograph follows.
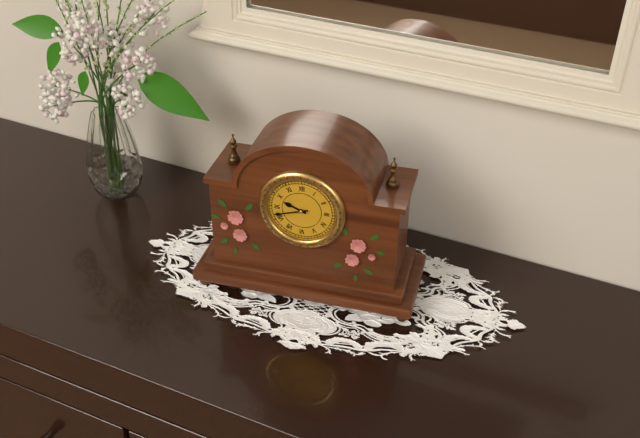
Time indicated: 9:42
